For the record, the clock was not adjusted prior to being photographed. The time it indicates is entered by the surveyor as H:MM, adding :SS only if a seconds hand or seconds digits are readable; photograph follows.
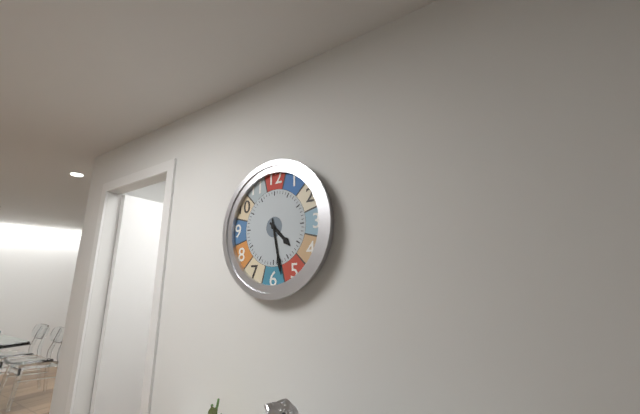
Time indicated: 4:28
